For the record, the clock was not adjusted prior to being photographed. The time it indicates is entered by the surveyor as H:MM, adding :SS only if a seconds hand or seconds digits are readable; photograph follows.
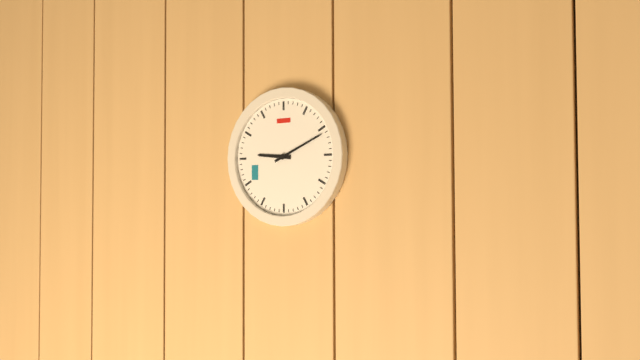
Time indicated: 9:11
